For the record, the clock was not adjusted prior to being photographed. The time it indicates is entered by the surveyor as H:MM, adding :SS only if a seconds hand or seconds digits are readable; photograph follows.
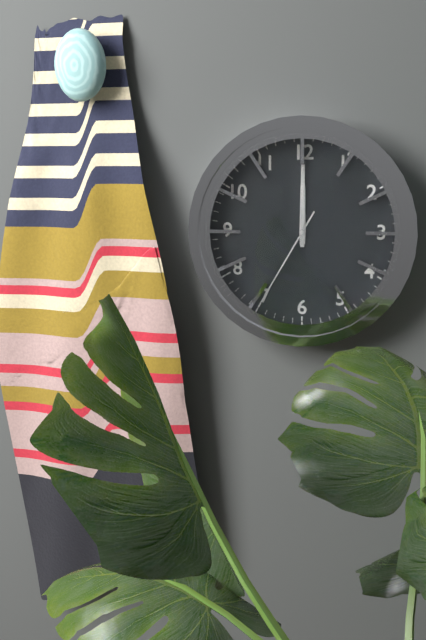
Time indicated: 12:00:35
